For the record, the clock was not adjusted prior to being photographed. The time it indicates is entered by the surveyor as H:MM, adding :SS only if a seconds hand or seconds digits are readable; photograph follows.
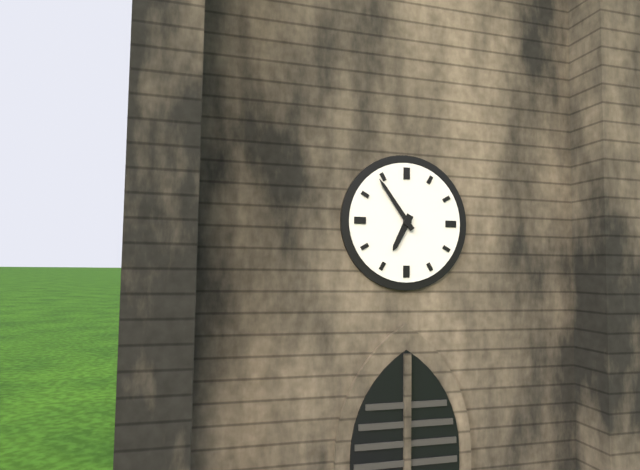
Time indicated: 6:54
